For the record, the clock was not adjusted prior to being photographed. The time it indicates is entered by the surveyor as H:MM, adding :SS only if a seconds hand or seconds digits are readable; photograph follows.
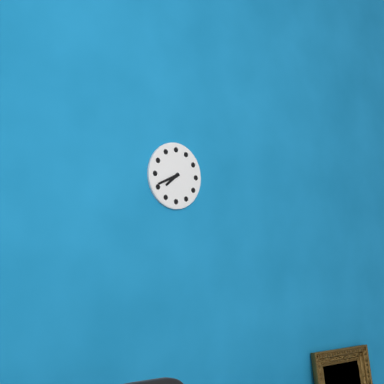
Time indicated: 7:41
